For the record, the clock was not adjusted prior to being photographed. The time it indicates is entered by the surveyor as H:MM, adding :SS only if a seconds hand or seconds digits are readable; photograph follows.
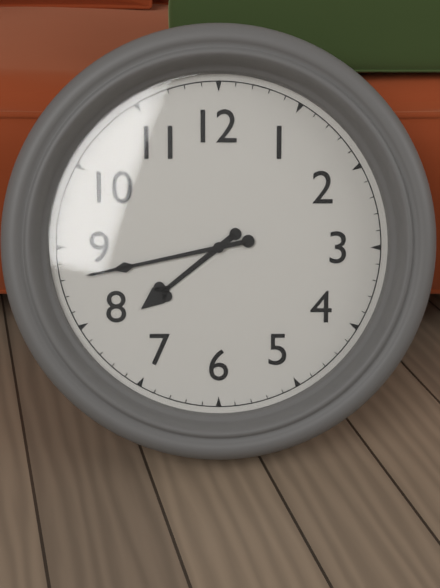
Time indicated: 7:43
